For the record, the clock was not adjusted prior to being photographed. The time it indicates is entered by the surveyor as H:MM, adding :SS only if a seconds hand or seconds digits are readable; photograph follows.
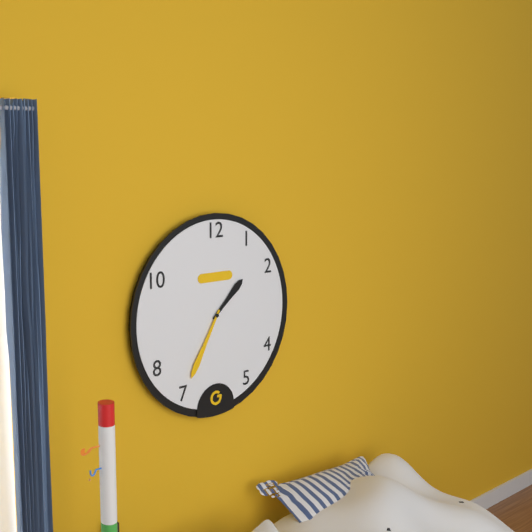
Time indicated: 1:35
